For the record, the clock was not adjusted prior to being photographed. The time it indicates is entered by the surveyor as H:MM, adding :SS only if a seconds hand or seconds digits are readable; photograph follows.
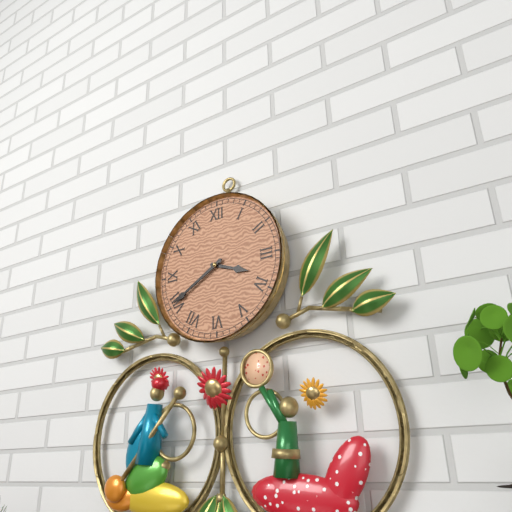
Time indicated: 3:40
